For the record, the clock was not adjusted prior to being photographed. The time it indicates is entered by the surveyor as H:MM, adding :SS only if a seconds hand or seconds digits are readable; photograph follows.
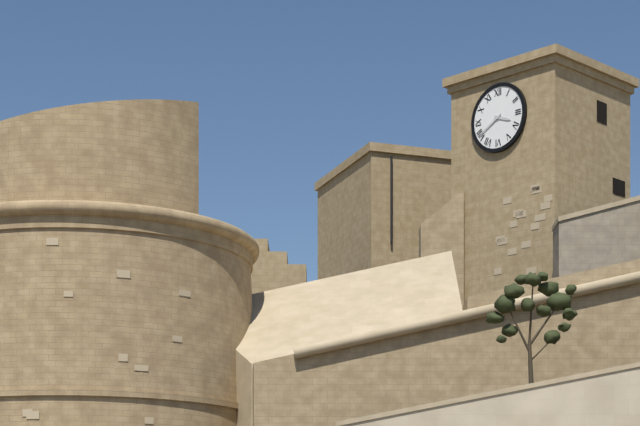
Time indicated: 3:40
